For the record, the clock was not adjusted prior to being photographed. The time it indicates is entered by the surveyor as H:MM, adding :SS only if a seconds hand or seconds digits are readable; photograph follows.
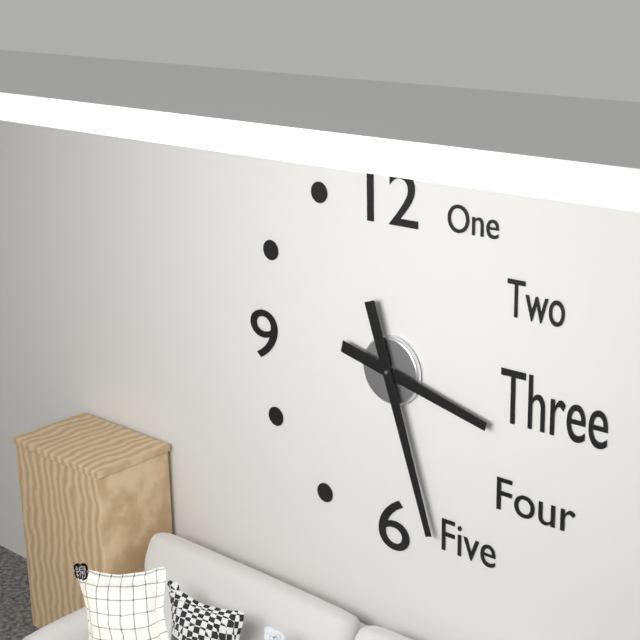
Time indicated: 3:27
